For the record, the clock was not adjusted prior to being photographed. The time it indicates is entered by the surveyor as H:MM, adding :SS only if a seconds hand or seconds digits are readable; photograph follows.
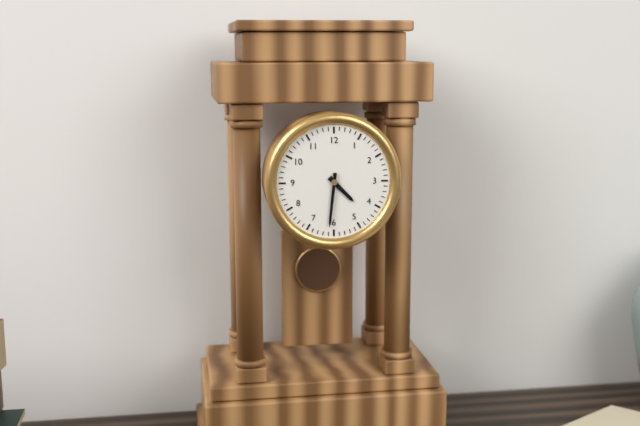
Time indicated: 4:31
